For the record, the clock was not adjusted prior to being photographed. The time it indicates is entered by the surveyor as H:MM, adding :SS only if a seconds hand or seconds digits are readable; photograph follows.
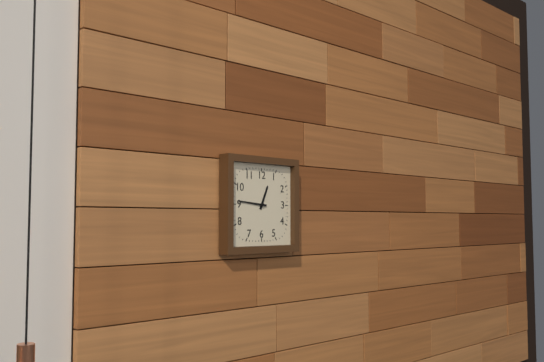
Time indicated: 12:46
